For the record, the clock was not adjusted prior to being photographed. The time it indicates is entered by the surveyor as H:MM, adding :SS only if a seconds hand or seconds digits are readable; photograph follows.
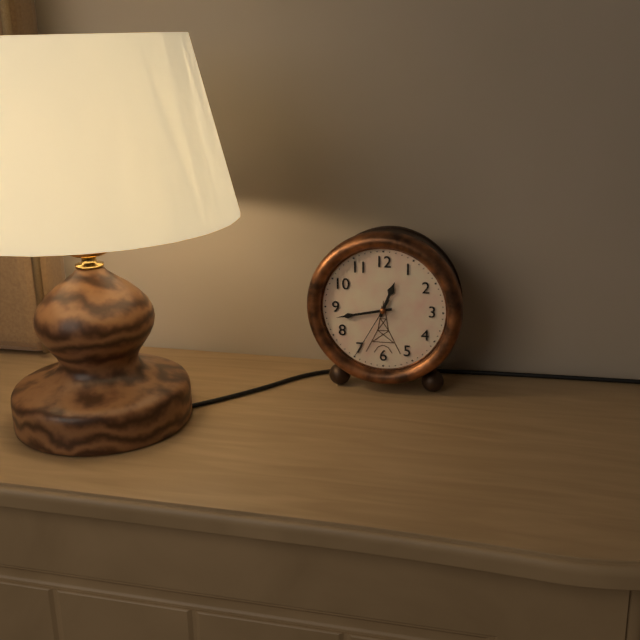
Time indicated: 12:43:35
